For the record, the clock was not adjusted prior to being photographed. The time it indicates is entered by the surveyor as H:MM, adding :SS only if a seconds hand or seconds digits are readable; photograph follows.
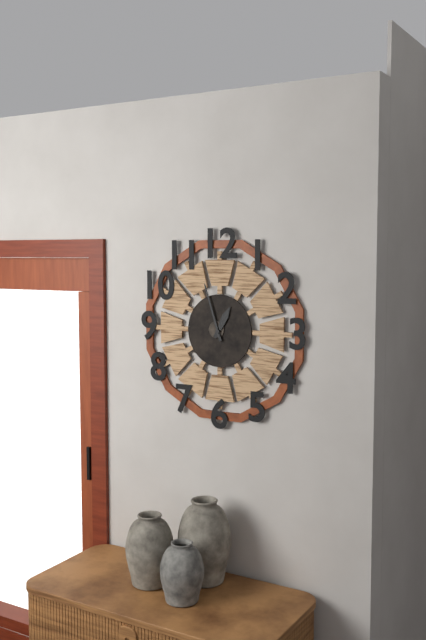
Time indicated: 12:57
